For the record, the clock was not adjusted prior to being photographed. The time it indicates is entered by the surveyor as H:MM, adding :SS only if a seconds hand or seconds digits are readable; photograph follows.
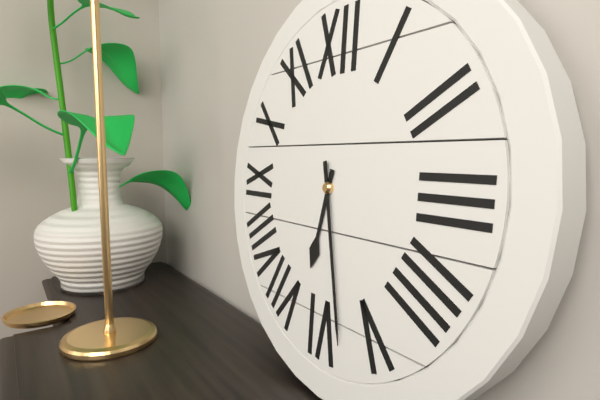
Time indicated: 6:28
